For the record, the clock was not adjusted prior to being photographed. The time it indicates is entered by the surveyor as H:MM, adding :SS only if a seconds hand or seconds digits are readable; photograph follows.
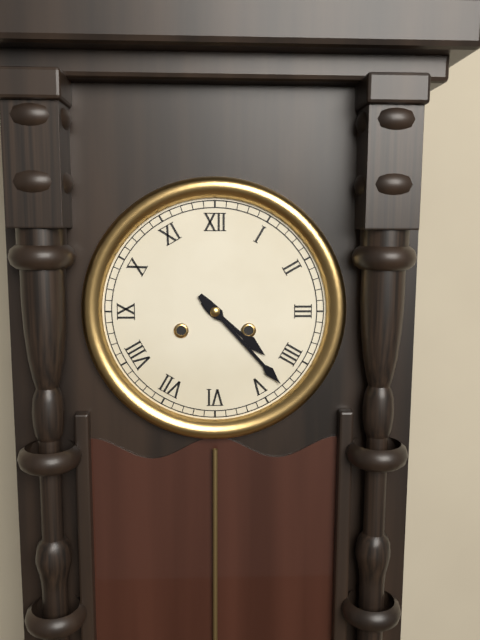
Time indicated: 4:23
